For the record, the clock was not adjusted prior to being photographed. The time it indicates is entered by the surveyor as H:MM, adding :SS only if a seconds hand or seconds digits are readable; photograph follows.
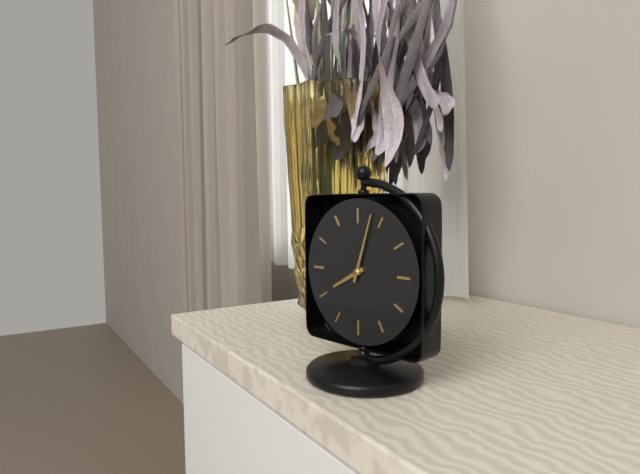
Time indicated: 8:03
